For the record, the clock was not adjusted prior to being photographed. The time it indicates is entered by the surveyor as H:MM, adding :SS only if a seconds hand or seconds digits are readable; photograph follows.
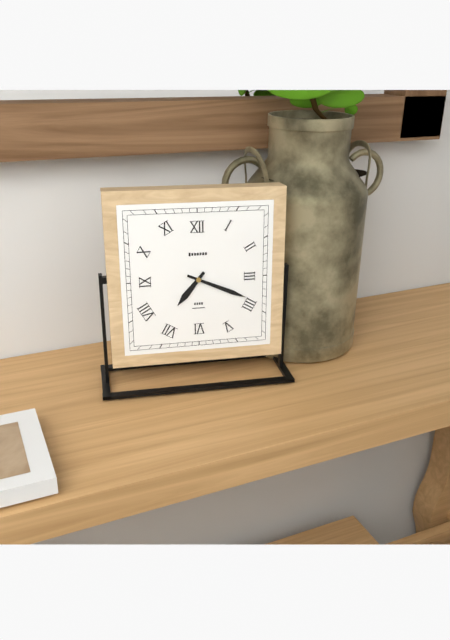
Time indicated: 7:19
